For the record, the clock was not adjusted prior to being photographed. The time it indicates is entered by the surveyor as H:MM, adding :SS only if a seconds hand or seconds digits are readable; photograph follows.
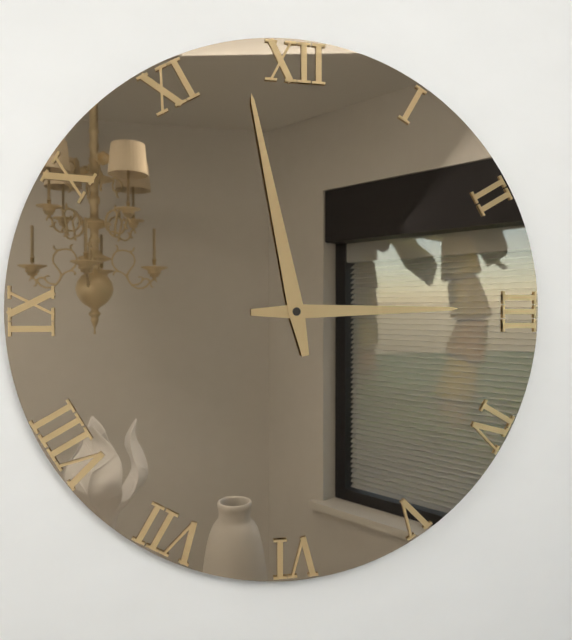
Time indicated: 2:58
